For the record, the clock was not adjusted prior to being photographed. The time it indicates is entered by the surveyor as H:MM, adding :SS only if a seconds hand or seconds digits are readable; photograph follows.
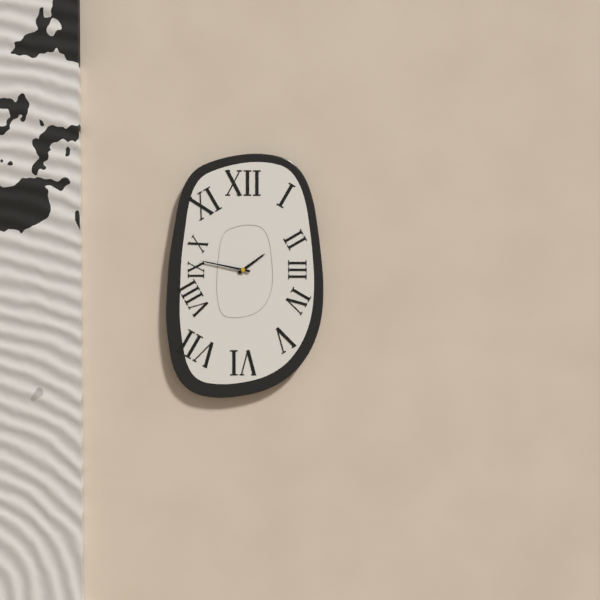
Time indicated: 1:47
